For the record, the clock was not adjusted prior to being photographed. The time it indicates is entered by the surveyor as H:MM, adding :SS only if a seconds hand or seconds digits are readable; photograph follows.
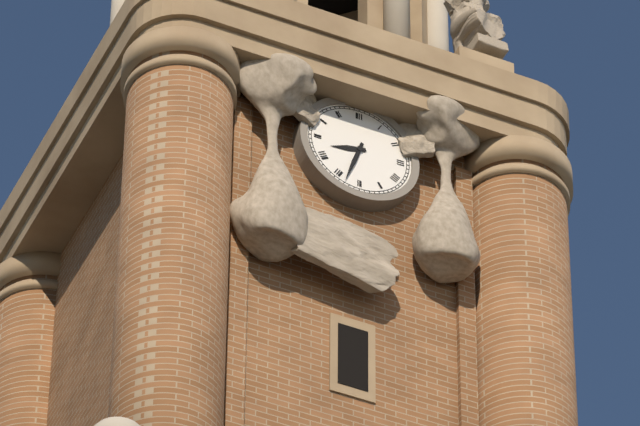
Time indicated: 8:33
